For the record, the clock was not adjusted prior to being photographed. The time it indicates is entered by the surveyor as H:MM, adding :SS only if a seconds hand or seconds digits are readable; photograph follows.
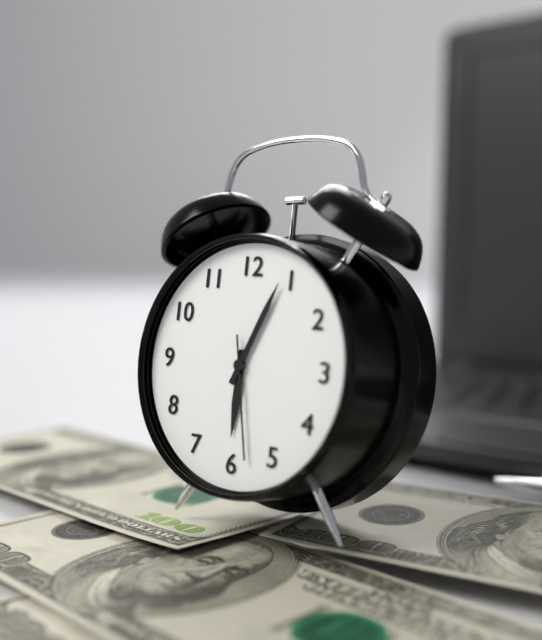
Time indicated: 6:04:28
